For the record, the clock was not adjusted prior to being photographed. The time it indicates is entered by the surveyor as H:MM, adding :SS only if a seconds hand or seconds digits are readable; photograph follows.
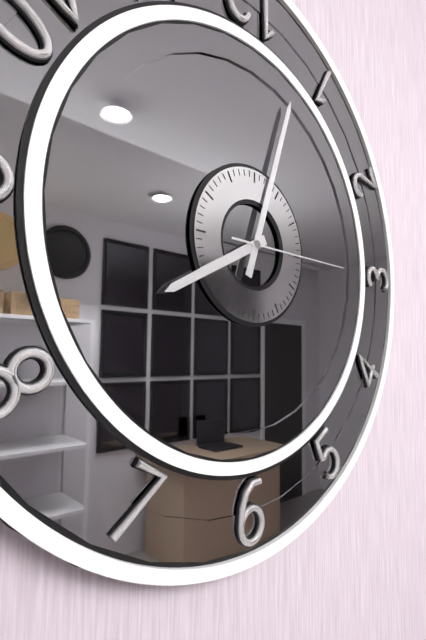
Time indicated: 8:03:15
